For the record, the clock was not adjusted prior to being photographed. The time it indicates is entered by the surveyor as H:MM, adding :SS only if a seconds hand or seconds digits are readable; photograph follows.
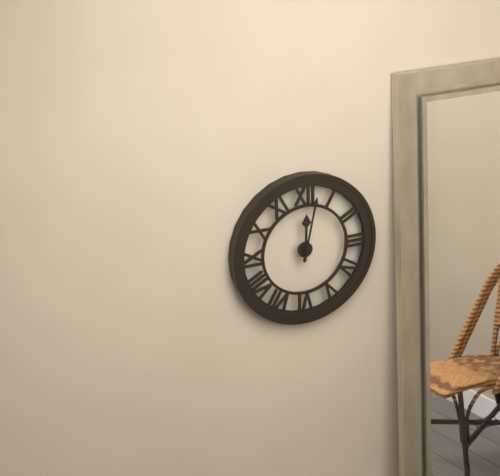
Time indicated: 12:02
